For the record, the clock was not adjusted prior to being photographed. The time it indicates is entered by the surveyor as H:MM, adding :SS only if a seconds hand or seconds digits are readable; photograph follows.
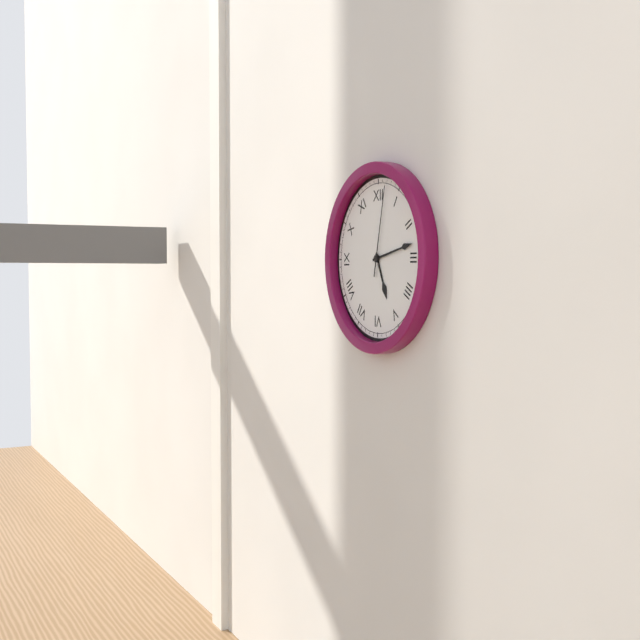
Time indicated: 5:13:02
